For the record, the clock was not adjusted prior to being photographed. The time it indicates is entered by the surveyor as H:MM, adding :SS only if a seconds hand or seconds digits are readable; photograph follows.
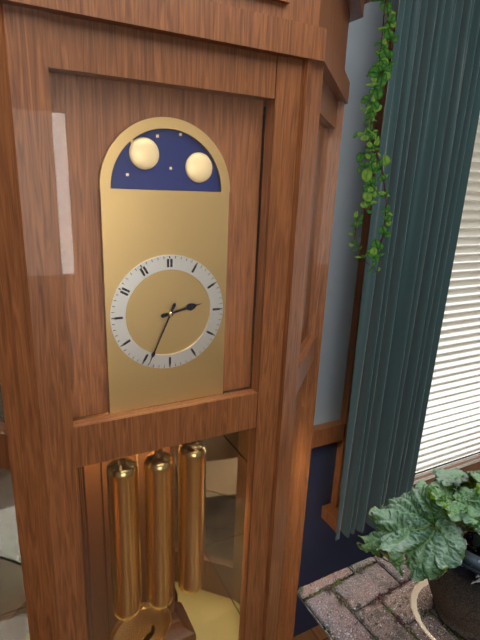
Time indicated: 2:34
